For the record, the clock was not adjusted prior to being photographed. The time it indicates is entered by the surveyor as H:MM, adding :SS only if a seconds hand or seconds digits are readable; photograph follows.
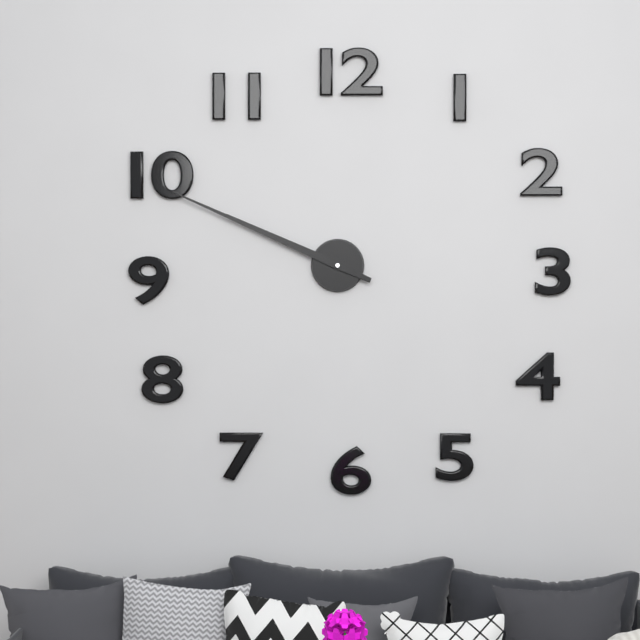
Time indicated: 9:49
